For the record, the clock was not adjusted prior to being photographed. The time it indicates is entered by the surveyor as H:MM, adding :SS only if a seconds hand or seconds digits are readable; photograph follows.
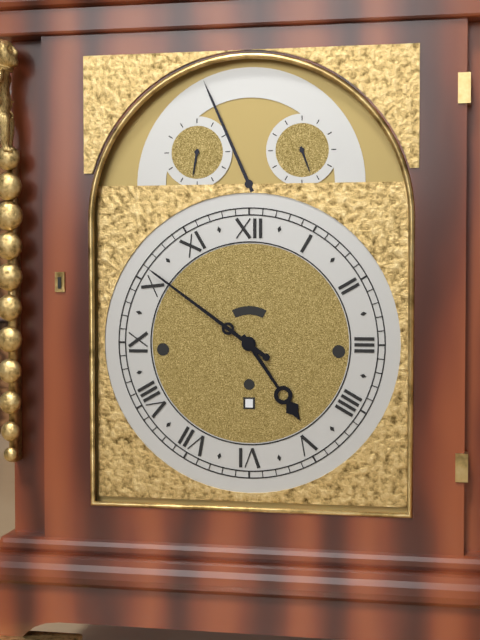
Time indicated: 4:51
